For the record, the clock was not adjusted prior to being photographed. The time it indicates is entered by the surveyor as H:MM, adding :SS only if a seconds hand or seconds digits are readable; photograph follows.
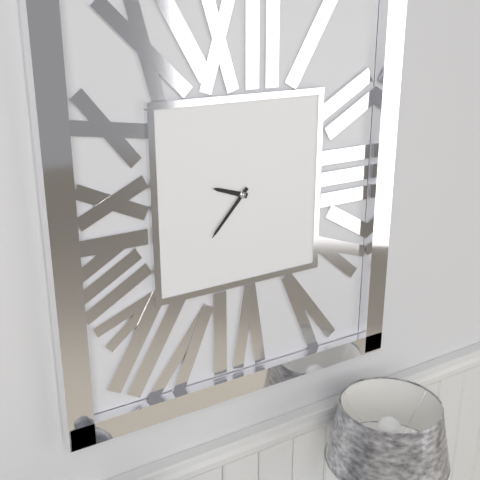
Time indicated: 9:37
